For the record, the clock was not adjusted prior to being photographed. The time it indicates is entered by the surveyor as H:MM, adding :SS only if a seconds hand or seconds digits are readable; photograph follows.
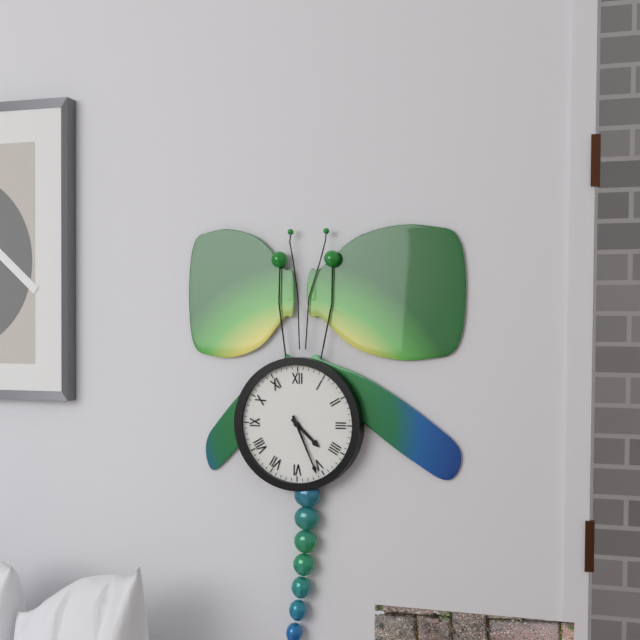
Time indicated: 4:26
